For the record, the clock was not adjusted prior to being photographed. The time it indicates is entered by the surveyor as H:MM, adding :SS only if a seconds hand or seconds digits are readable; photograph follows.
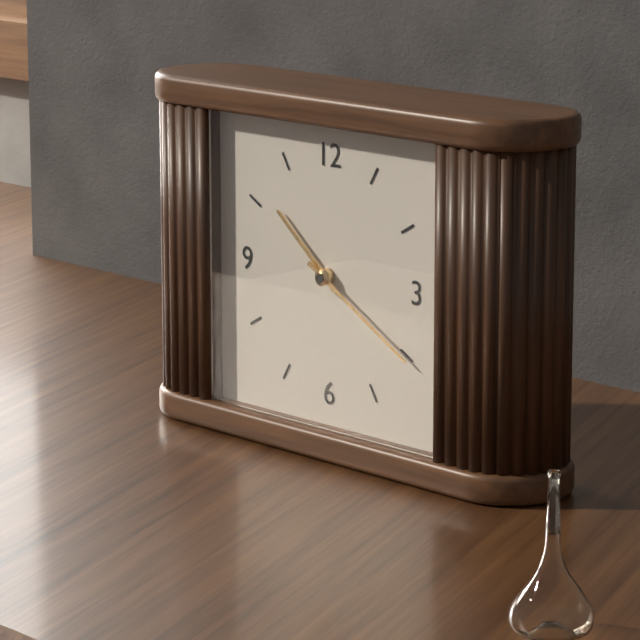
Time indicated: 10:20
